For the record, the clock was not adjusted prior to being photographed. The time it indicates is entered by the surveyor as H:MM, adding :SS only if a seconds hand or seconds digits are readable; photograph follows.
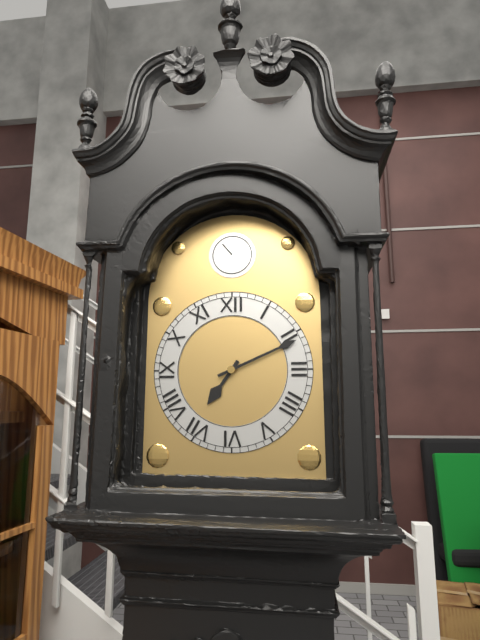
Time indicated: 7:11
